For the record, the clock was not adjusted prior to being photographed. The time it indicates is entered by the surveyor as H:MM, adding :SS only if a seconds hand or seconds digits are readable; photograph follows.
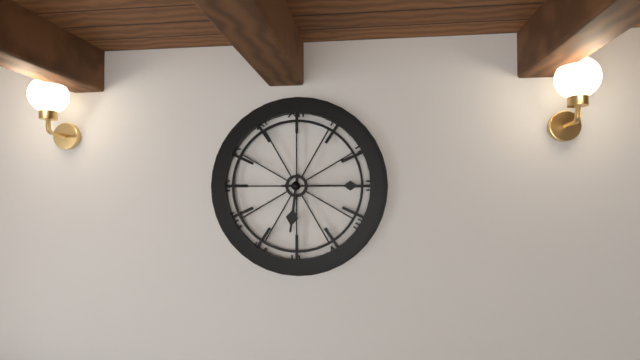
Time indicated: 6:15
